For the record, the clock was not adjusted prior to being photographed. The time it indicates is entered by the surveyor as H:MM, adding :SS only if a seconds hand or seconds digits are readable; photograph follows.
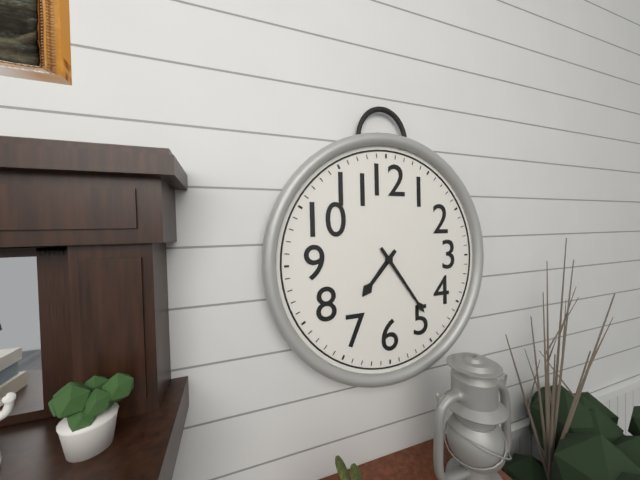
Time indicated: 7:24
